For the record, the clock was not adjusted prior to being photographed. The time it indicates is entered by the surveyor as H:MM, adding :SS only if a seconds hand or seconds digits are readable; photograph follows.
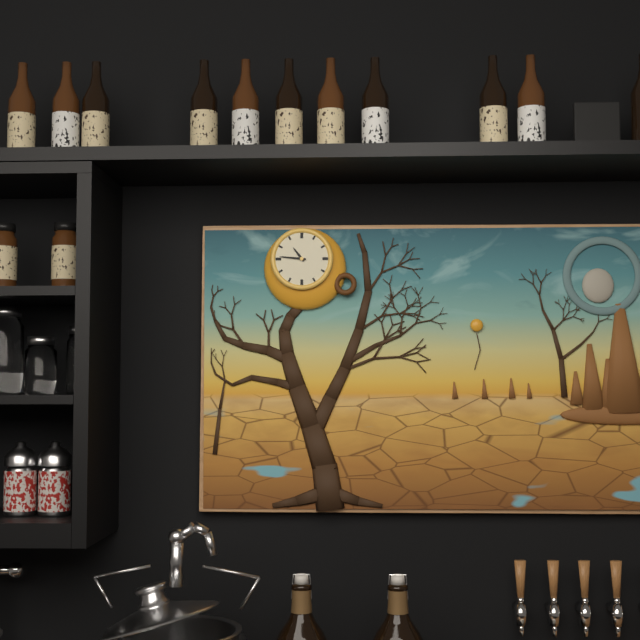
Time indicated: 10:46
